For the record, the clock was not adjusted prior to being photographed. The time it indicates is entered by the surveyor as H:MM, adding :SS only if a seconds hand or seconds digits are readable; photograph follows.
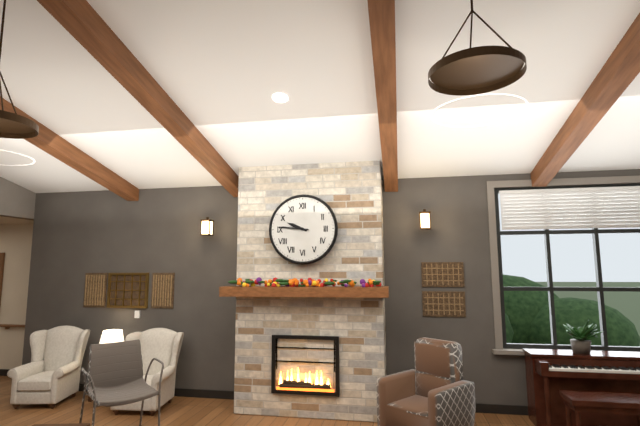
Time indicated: 9:46
